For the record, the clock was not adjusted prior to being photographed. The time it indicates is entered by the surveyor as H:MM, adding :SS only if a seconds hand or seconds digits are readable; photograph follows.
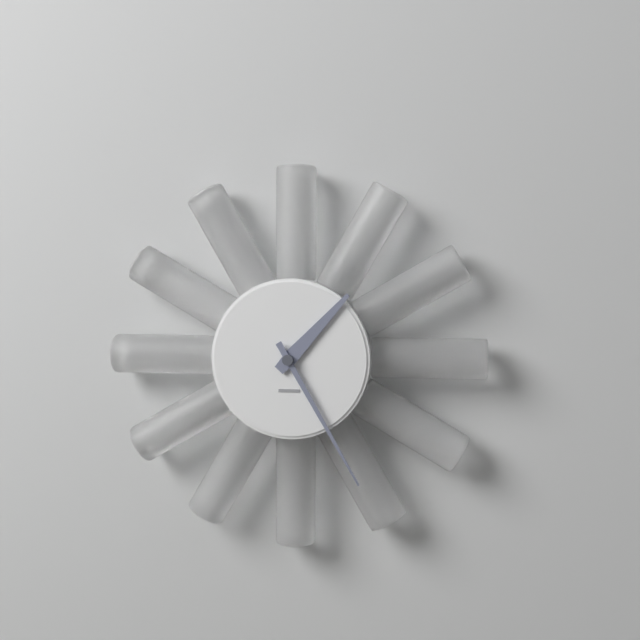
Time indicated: 1:25
